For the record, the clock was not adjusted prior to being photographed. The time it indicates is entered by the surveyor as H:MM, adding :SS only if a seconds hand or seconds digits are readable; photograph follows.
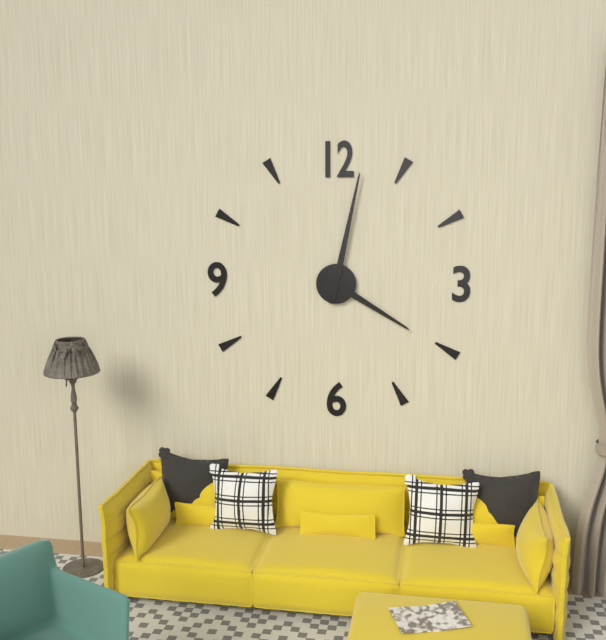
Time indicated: 4:02
